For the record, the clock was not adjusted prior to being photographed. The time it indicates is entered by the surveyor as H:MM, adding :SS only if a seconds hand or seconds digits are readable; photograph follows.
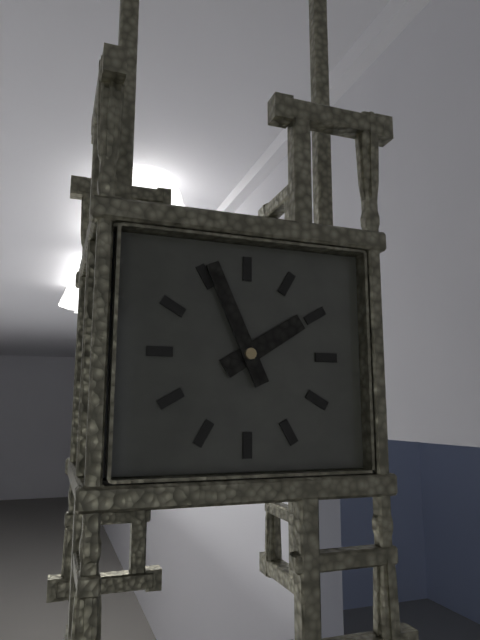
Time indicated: 1:56
